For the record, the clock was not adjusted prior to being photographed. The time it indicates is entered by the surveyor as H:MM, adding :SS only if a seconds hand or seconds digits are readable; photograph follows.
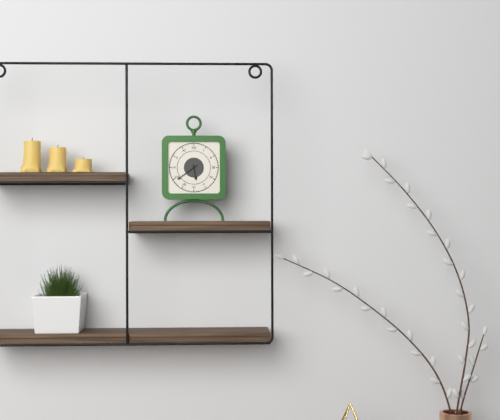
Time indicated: 5:39
